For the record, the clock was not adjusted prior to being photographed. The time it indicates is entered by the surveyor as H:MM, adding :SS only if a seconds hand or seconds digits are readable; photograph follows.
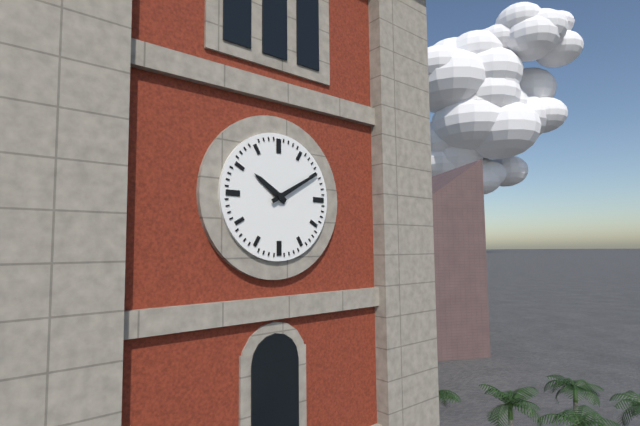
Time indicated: 10:10
